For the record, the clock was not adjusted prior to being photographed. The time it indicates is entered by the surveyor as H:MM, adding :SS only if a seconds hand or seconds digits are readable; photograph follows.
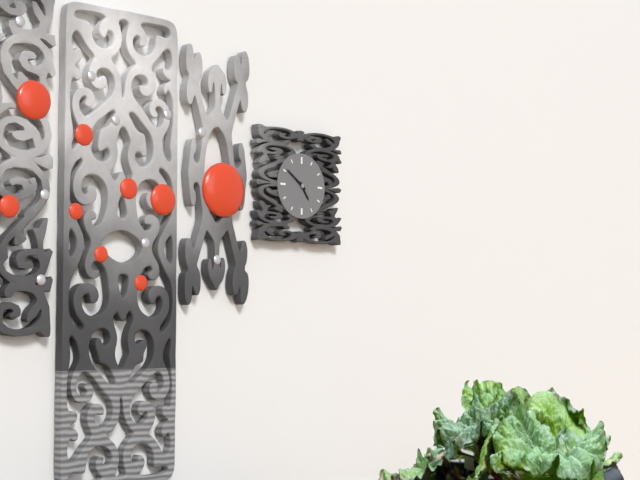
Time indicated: 4:51
